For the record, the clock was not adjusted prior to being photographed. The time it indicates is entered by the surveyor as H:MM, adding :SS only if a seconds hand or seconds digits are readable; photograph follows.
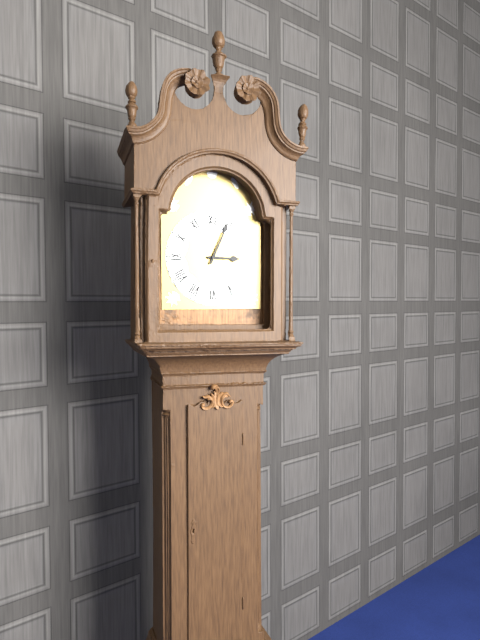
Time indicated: 3:04
